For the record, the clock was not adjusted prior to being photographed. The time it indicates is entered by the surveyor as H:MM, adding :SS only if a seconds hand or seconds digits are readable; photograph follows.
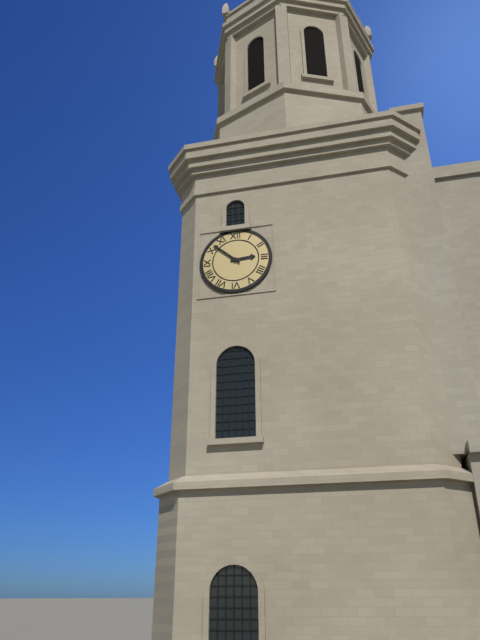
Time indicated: 2:52
